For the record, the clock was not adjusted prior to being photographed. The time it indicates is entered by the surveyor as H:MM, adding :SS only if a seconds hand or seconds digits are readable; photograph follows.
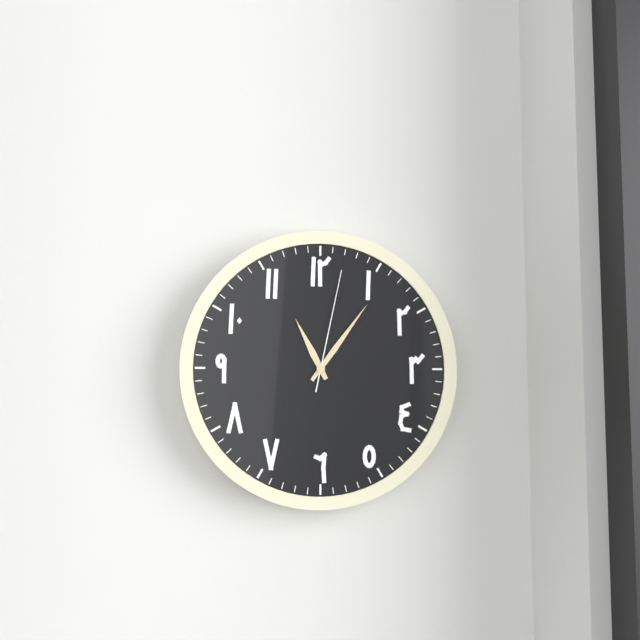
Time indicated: 11:06:02
